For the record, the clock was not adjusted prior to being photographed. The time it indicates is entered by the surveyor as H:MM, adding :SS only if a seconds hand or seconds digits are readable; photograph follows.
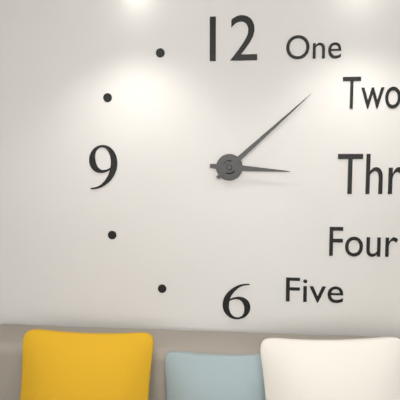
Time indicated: 3:08
